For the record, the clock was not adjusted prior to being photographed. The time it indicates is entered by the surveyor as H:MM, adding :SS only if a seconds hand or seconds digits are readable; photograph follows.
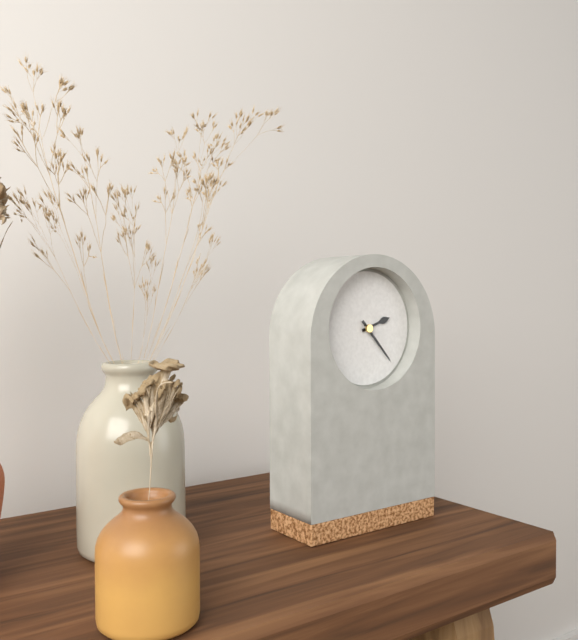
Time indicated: 2:23
